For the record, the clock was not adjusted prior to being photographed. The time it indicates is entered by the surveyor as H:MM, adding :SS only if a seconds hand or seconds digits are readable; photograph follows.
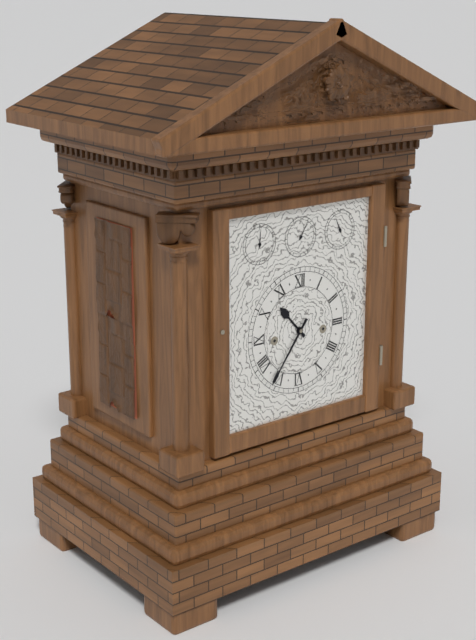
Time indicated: 10:36
